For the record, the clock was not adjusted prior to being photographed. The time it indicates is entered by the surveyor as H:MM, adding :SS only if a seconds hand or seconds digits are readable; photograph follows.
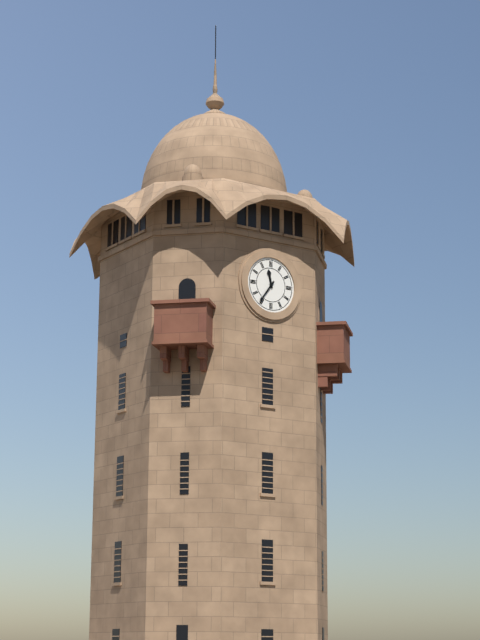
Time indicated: 11:36
